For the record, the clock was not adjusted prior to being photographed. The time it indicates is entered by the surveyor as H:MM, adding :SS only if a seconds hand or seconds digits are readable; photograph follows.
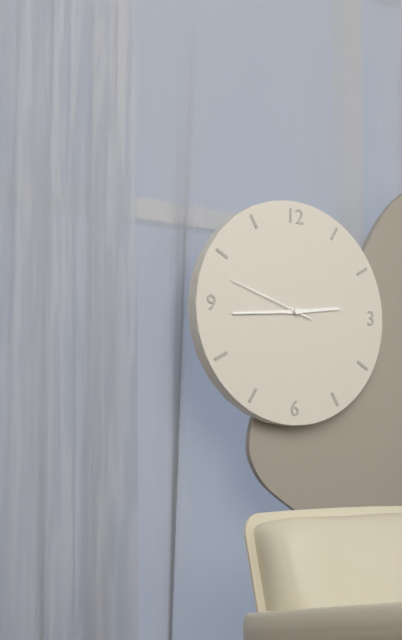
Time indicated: 2:44:48
